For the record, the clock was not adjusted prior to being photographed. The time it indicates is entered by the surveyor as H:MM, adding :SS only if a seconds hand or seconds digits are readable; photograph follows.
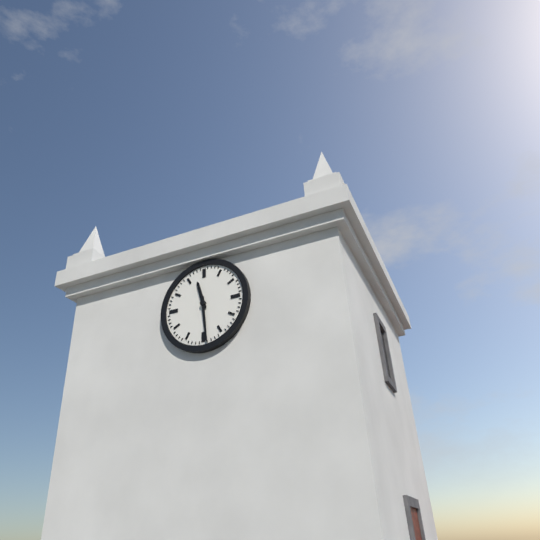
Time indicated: 11:29
